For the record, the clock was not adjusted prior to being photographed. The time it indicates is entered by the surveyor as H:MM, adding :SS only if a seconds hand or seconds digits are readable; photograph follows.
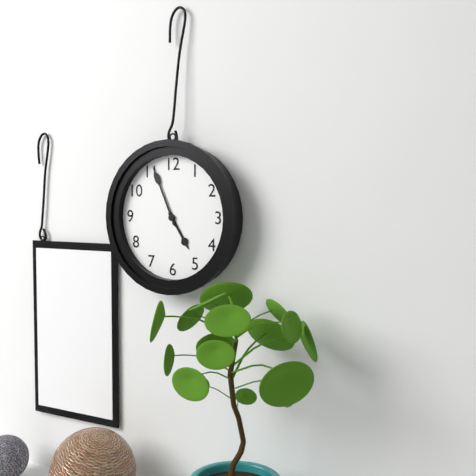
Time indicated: 4:56
